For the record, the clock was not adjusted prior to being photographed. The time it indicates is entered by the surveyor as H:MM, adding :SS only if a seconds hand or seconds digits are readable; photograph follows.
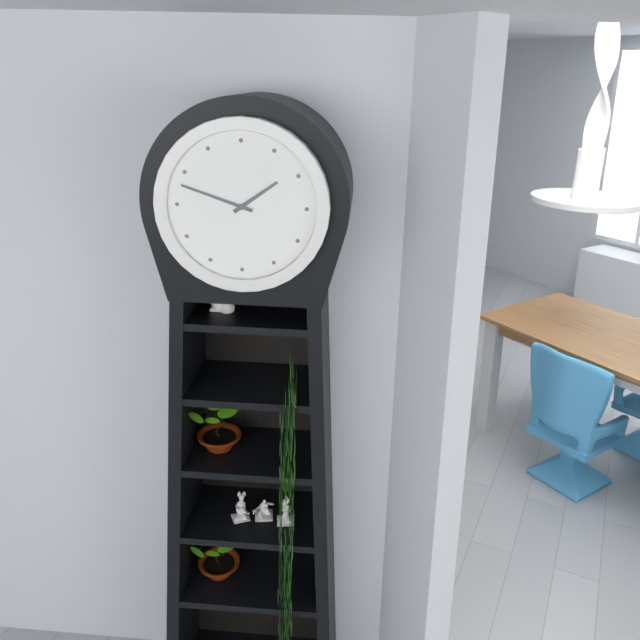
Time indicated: 1:48
